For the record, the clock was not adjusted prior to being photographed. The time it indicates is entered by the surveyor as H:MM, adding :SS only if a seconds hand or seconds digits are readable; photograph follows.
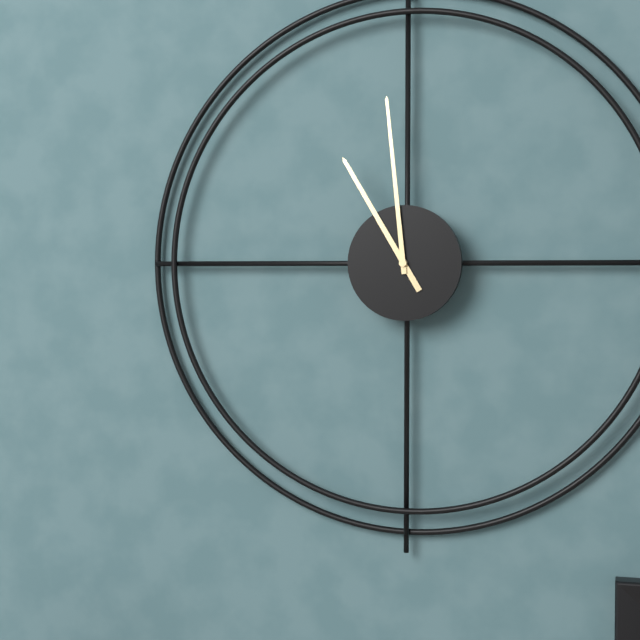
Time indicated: 10:59
